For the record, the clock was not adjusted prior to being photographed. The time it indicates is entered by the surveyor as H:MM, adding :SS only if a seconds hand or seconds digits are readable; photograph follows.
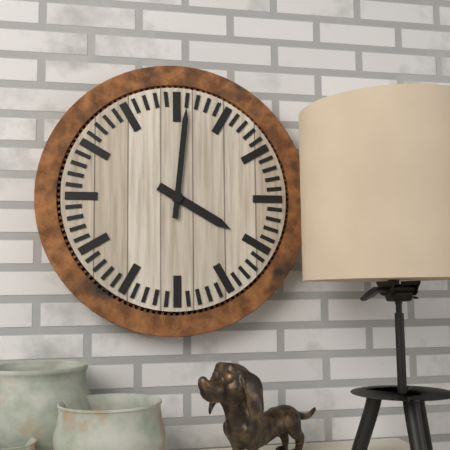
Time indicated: 4:01
